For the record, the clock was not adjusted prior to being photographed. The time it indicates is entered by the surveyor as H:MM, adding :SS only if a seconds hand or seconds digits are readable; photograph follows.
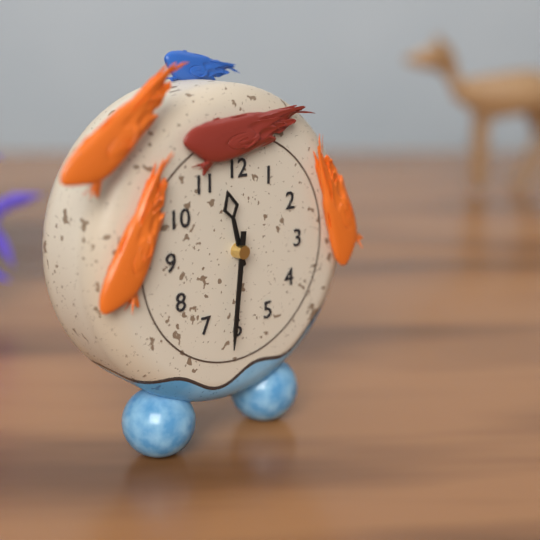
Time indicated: 11:31
